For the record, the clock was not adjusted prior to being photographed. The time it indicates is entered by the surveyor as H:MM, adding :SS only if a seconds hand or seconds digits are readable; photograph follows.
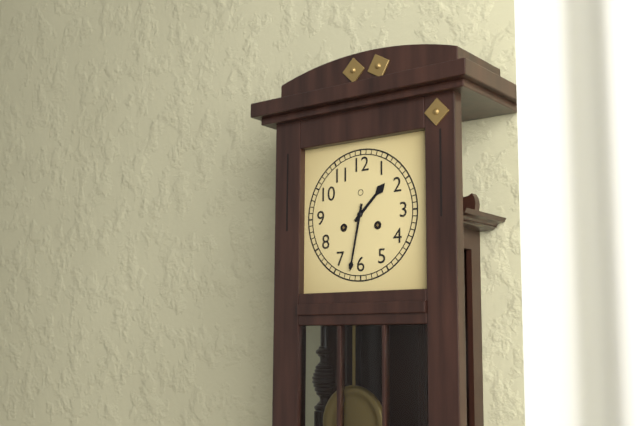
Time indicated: 1:32
